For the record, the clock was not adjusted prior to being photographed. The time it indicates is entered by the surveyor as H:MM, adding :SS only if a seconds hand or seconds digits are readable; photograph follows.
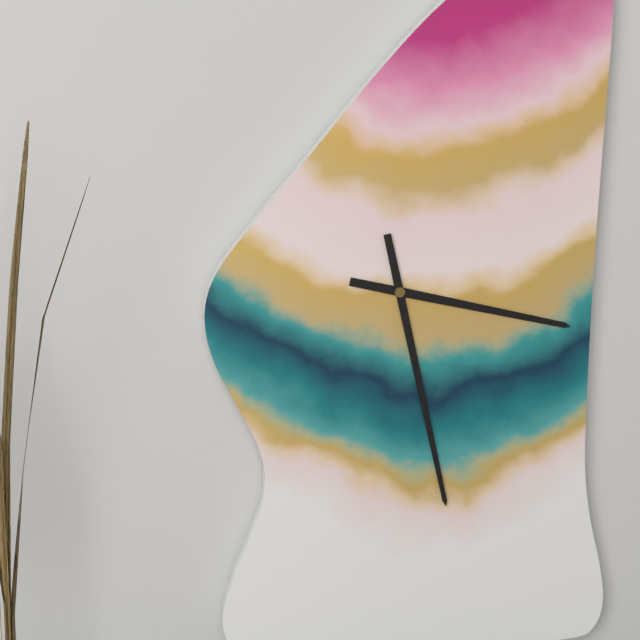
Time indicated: 3:28
